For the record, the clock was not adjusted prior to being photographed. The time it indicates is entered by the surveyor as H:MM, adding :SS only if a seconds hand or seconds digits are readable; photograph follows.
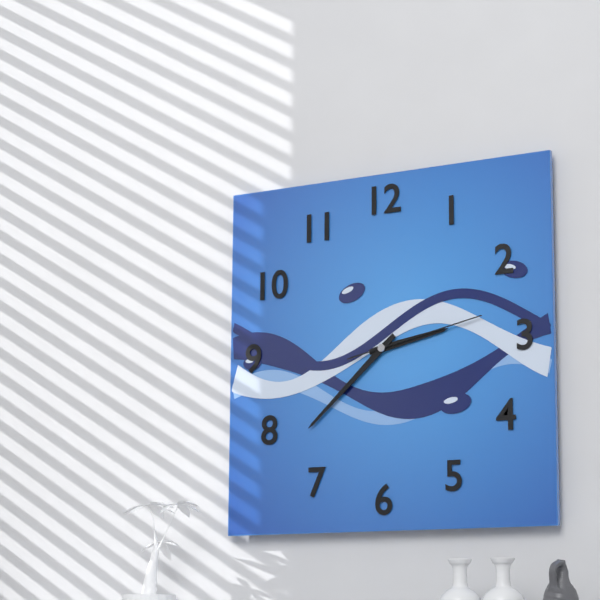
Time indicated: 2:38:13
